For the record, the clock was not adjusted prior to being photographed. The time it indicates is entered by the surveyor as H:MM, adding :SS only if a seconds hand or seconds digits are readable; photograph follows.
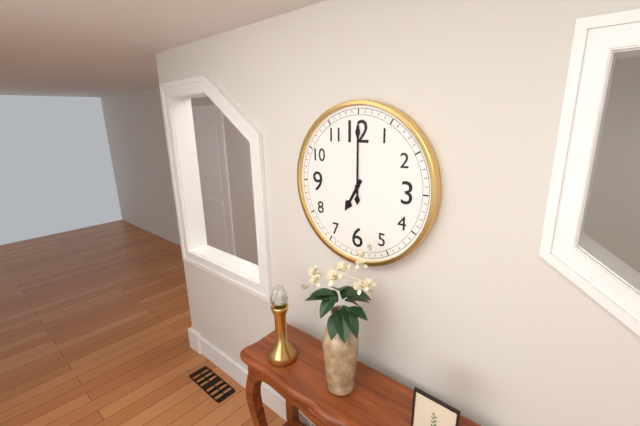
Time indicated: 7:00
